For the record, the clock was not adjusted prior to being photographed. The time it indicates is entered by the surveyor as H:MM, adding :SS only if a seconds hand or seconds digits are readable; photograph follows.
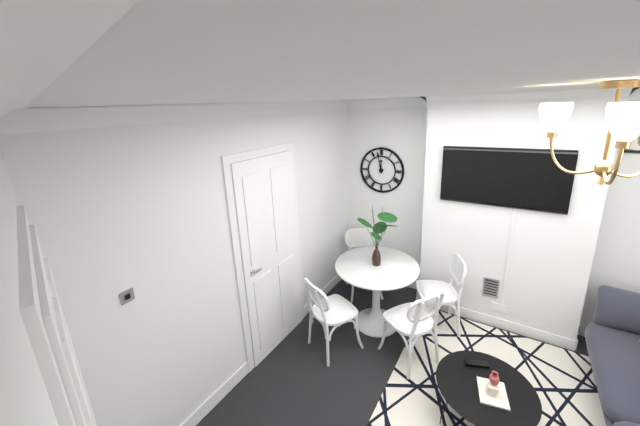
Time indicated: 11:58
